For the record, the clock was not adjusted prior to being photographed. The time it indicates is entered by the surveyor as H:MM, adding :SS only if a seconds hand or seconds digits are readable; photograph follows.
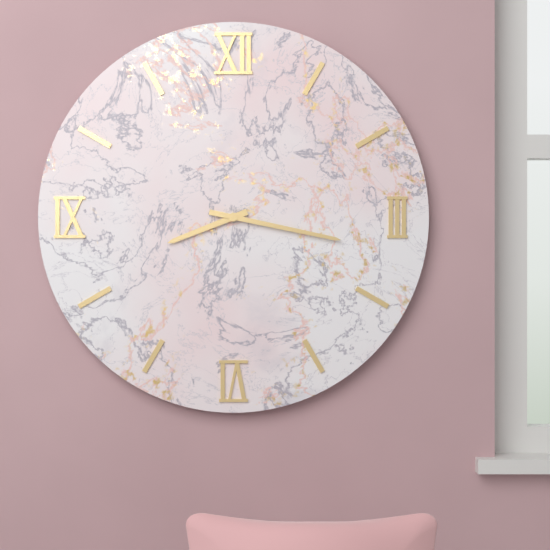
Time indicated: 8:17
